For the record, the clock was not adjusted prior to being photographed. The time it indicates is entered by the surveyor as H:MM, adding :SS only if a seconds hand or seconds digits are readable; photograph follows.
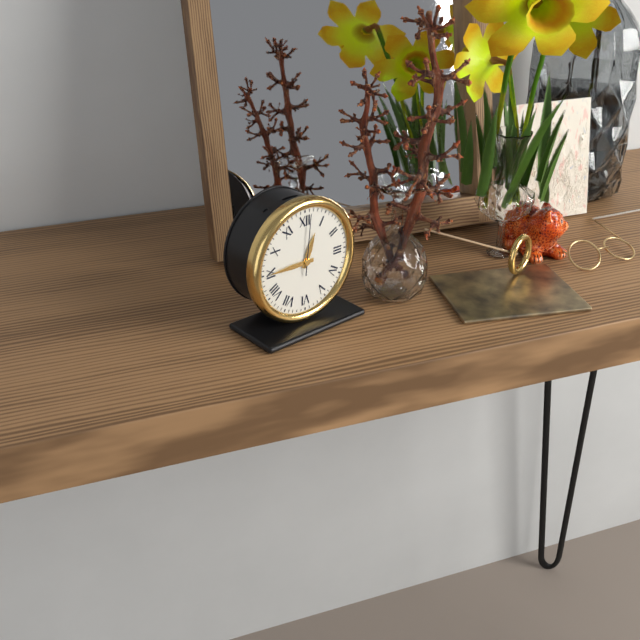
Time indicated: 12:45:01
